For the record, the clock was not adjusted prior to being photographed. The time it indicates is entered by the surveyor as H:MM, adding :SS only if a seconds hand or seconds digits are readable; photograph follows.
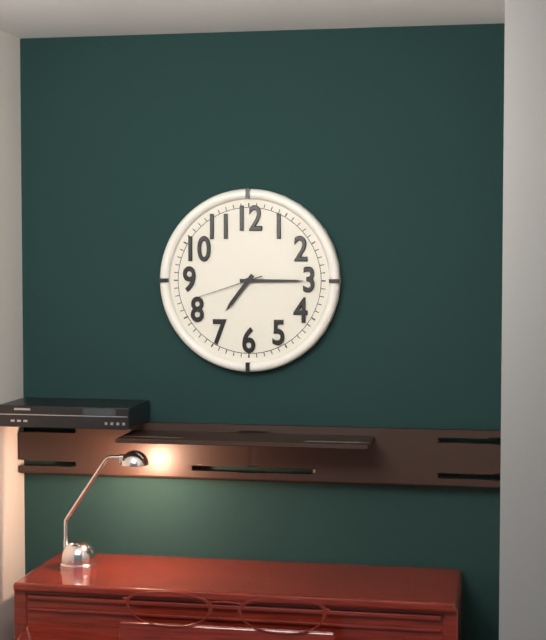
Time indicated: 7:15:42
